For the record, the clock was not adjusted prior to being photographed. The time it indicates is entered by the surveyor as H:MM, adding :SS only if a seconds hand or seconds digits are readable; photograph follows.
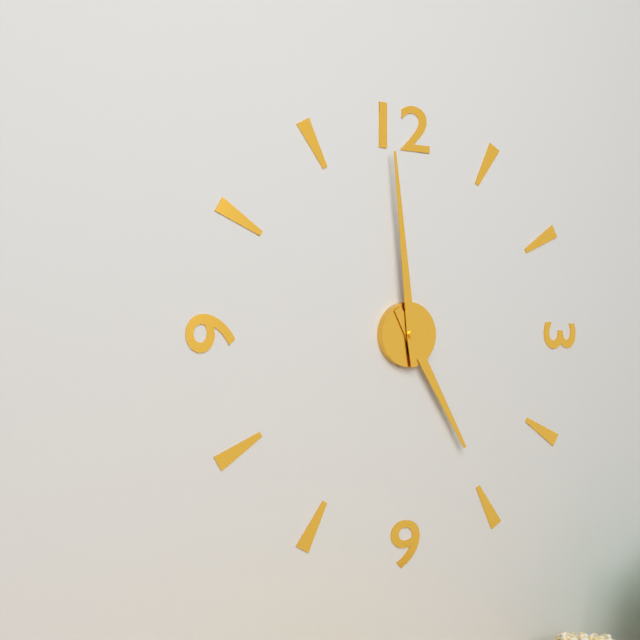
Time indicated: 4:59
